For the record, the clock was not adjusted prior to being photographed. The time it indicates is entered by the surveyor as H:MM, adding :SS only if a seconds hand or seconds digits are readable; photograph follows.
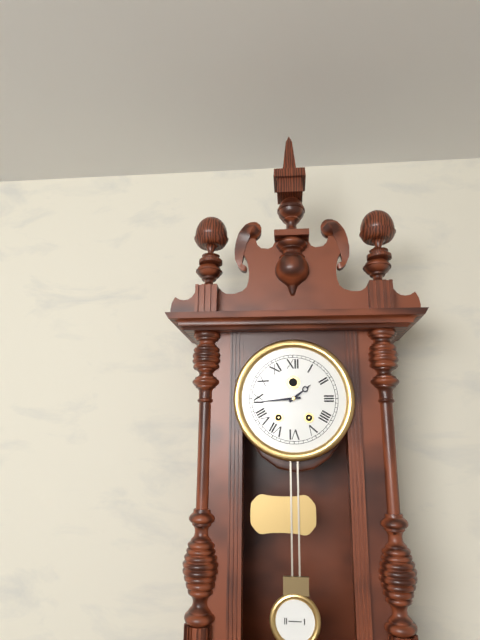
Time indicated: 1:44
